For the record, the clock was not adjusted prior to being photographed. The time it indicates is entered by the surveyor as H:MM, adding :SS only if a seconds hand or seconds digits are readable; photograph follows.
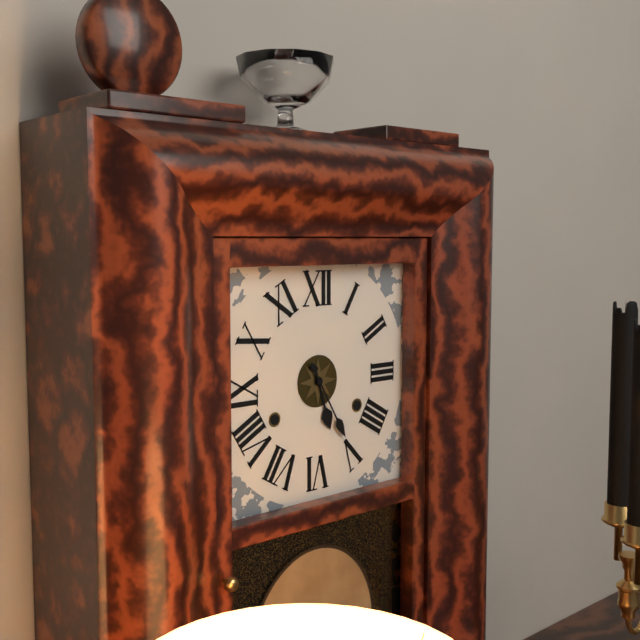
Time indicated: 5:25
